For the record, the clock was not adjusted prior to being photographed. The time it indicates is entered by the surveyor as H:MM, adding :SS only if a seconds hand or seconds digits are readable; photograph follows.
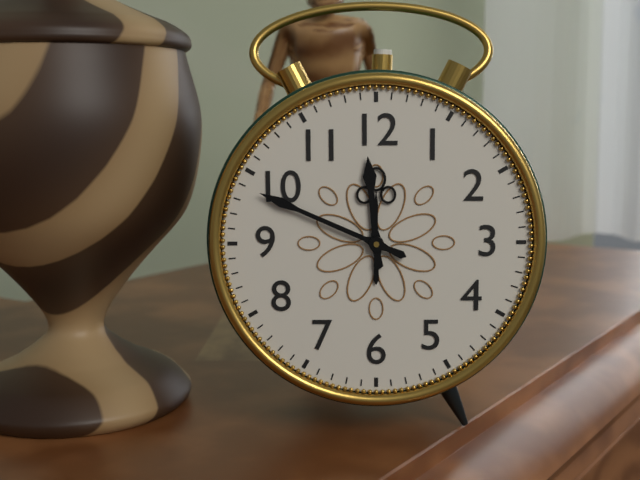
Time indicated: 11:49
